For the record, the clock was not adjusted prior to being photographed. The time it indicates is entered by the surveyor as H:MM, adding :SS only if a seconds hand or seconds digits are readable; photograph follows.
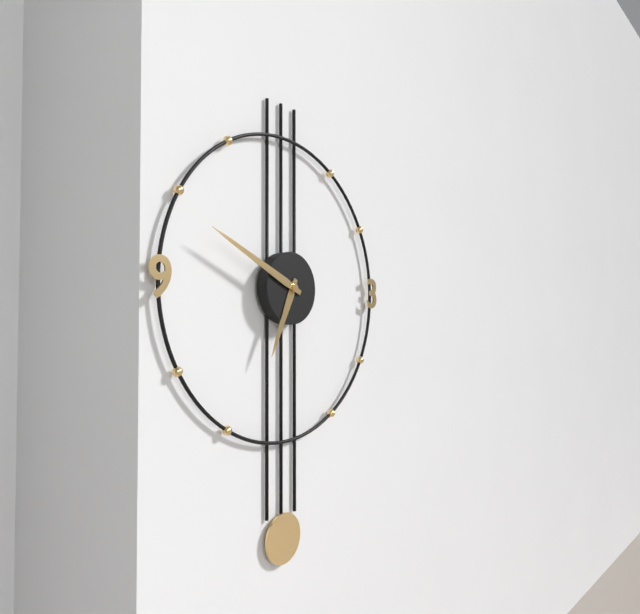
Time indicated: 6:49
